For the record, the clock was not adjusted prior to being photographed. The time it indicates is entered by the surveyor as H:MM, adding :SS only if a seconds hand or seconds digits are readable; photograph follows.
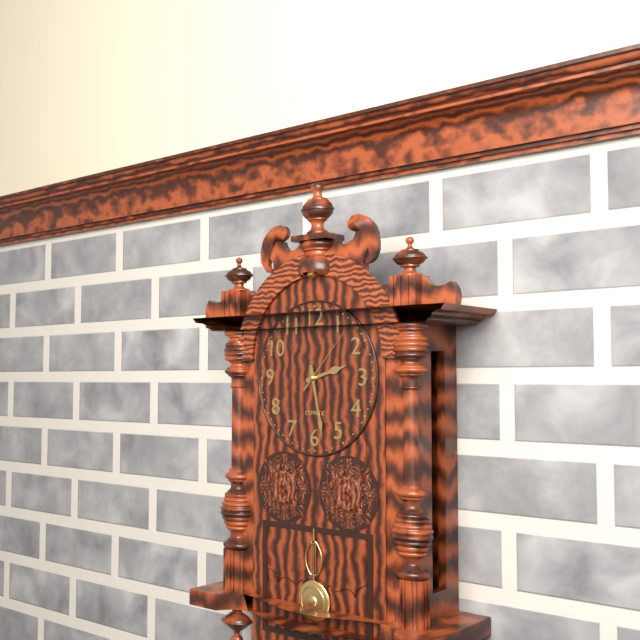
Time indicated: 2:28:07
